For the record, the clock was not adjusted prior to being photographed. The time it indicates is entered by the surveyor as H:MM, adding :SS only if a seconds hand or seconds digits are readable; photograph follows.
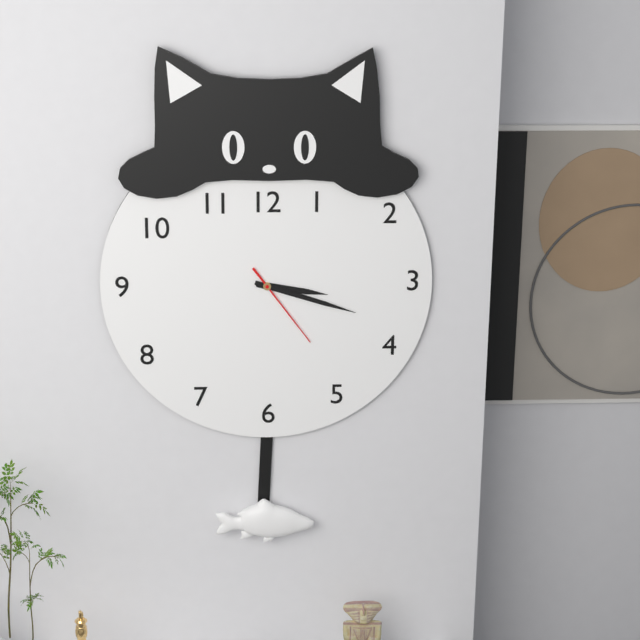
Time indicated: 3:18:24
